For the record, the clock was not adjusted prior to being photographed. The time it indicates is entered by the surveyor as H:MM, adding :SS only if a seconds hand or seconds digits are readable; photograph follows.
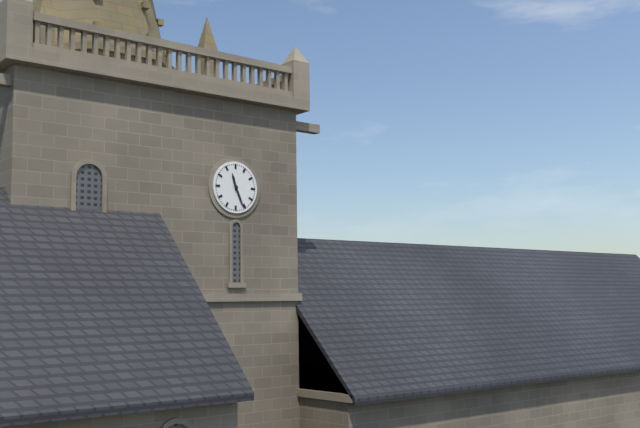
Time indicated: 11:26
